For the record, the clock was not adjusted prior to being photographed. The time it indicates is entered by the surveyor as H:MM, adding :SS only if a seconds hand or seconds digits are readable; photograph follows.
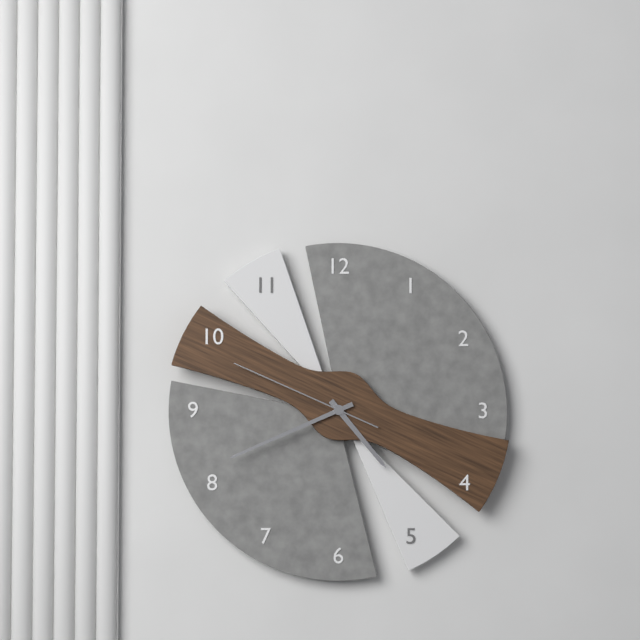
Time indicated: 4:41:49
